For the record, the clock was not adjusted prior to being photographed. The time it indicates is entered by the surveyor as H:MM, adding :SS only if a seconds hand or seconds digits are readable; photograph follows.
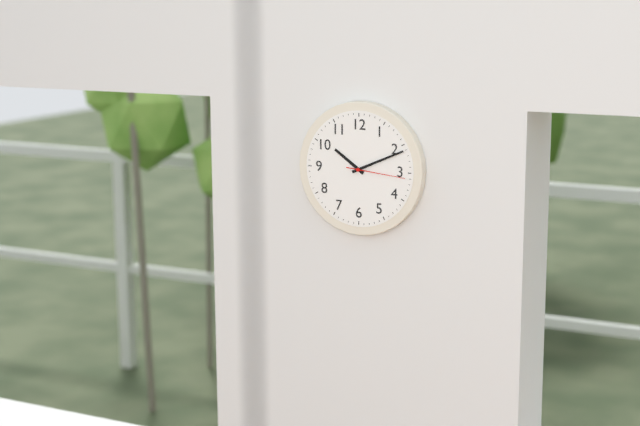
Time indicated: 10:11:16
